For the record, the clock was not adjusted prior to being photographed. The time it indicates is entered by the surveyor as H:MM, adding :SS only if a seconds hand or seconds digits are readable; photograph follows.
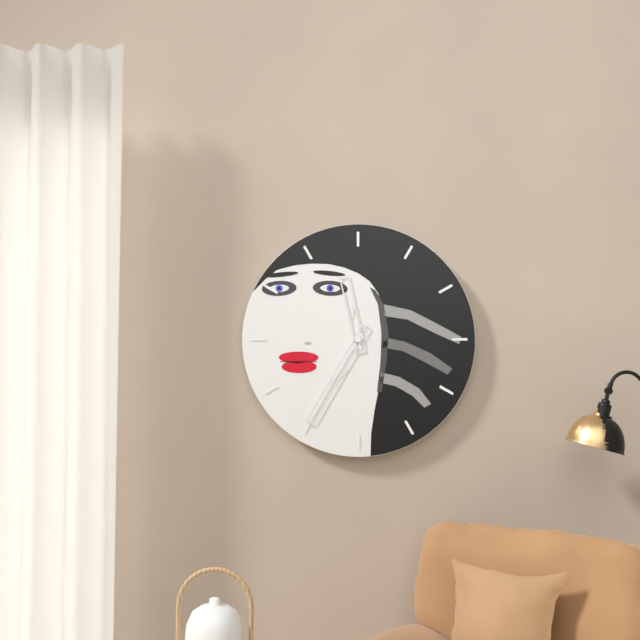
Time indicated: 11:35
